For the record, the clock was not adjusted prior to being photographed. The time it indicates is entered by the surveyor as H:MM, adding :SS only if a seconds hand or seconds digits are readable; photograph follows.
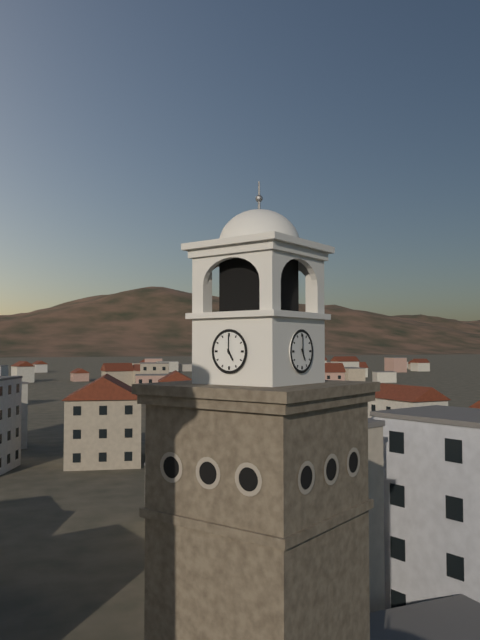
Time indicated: 5:00
